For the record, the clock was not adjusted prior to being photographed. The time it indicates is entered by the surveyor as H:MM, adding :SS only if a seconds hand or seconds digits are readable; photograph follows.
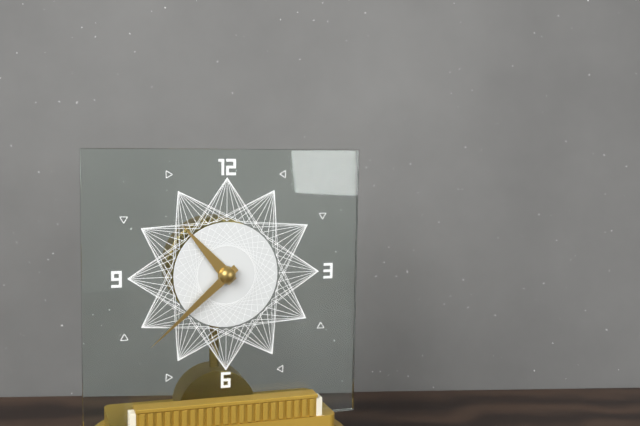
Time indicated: 10:38
